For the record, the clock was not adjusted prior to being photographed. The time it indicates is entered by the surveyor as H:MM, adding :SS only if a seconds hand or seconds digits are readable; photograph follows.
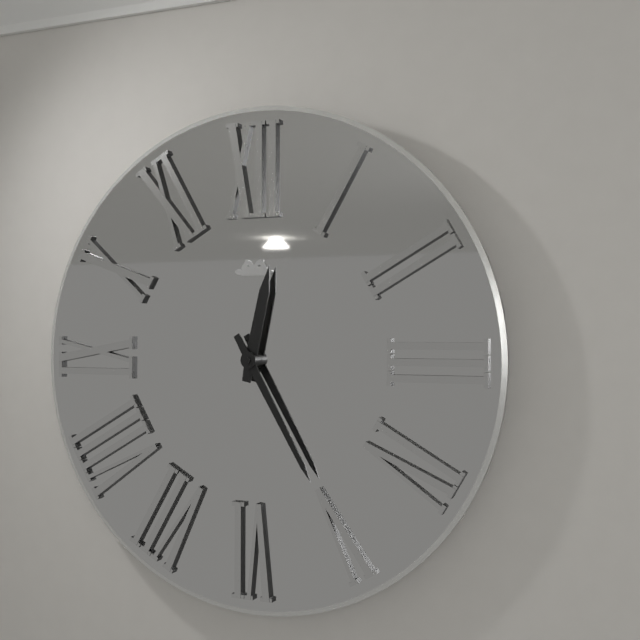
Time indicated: 12:25
